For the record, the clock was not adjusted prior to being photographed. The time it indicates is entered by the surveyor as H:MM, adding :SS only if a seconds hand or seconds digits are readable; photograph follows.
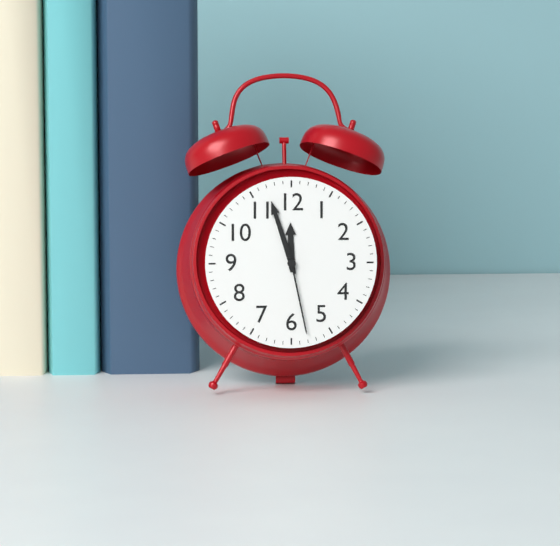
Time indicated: 11:57:28
